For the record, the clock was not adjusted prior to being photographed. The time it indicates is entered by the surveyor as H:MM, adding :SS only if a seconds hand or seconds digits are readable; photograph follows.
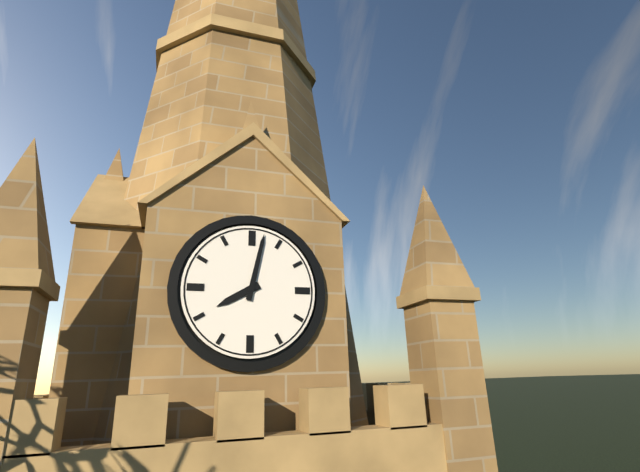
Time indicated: 8:02
